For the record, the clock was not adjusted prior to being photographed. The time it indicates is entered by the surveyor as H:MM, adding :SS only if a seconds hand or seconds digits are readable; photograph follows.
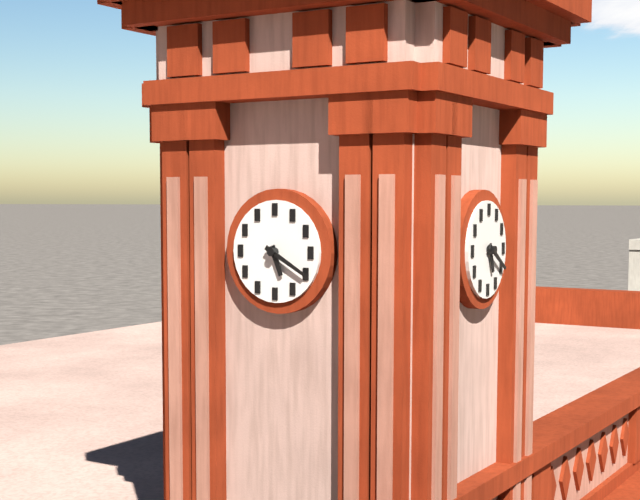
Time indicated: 5:20
